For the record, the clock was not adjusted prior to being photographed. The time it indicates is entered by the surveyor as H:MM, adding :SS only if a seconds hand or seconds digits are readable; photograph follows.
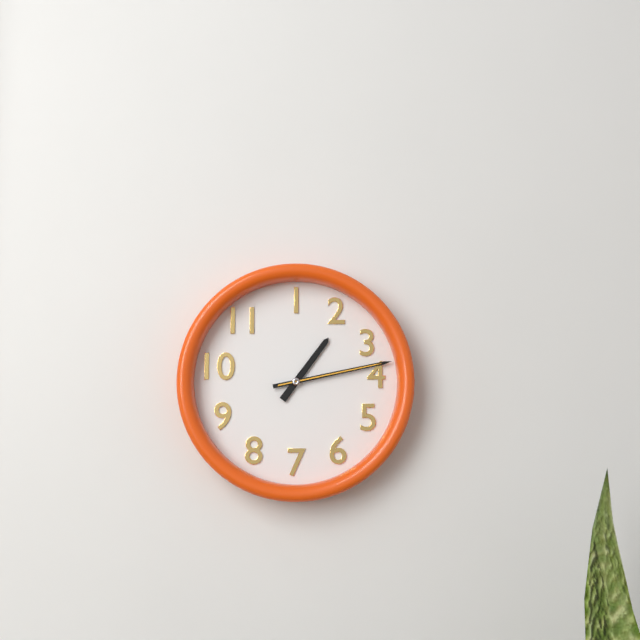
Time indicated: 1:13:13
